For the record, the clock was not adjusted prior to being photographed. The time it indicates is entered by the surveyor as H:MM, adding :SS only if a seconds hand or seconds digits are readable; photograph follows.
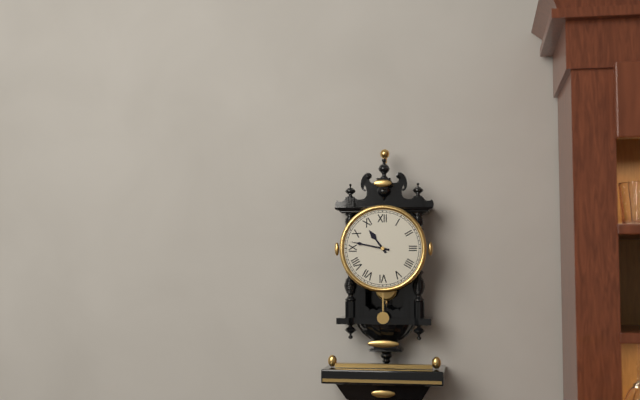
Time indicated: 10:47
